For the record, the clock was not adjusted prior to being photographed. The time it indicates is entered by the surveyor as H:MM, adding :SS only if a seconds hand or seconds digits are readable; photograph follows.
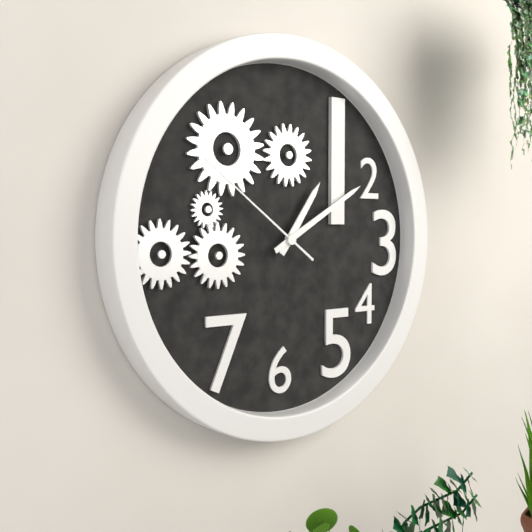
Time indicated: 1:10:51
